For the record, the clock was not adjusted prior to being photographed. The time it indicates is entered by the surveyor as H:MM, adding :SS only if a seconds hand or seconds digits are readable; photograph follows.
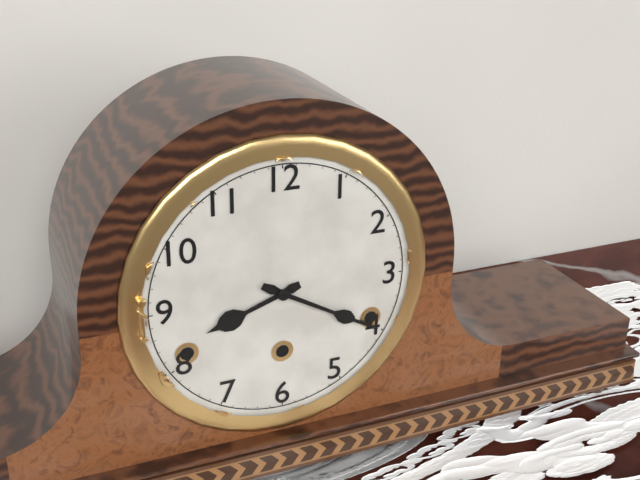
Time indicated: 8:20
